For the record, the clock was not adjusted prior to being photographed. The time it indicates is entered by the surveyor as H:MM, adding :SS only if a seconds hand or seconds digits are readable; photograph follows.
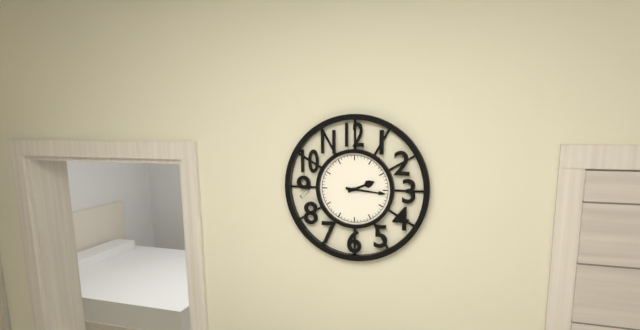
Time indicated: 2:16
